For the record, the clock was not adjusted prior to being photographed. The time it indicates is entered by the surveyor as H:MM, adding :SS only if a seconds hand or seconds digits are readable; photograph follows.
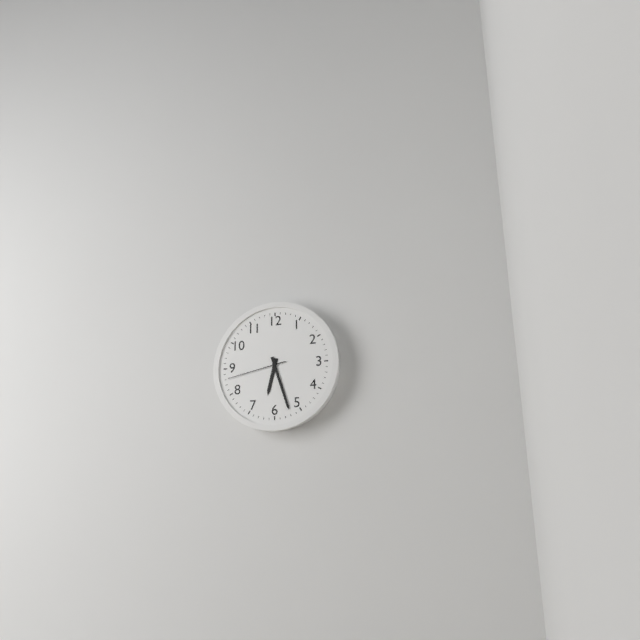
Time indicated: 6:27:43
